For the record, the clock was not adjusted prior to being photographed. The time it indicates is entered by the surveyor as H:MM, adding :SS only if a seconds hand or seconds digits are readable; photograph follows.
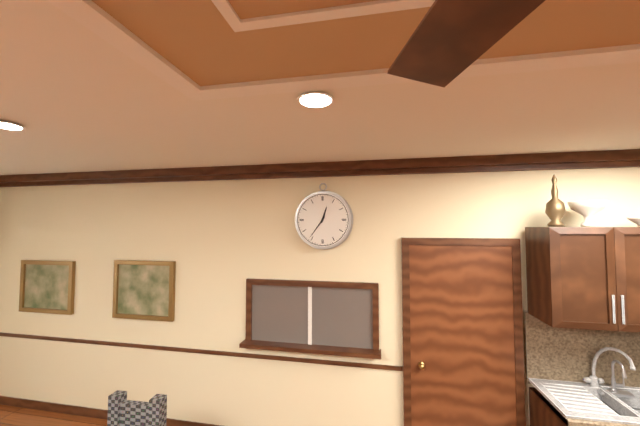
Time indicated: 12:36
